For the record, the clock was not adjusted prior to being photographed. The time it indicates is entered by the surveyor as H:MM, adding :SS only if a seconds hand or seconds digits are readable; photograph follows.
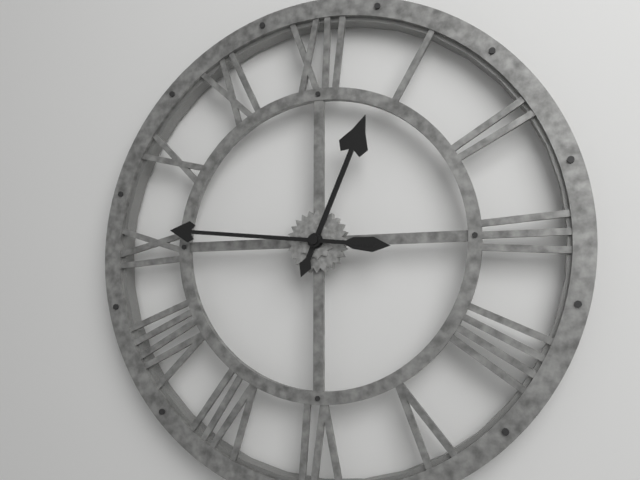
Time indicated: 12:46
